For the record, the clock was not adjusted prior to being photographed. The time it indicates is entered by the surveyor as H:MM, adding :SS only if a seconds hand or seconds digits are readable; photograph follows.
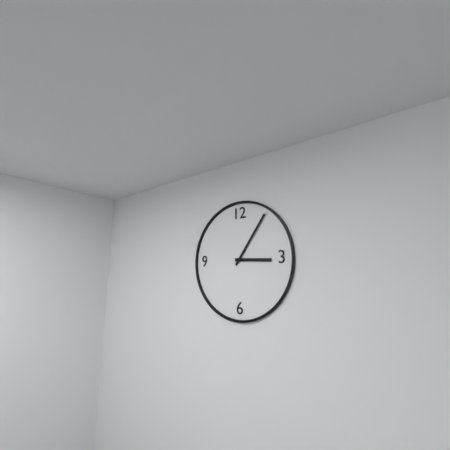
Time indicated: 3:06
